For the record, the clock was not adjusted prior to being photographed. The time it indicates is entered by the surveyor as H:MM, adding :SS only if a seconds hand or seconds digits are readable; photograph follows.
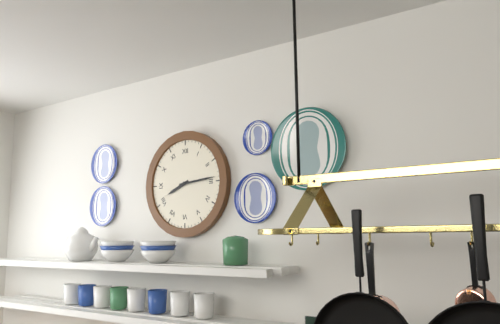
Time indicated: 8:14
